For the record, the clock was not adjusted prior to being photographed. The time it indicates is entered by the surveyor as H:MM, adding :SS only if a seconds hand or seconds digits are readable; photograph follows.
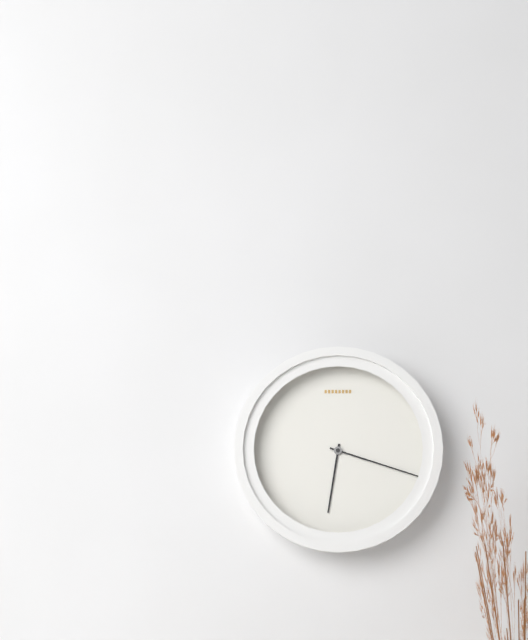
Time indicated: 6:18
